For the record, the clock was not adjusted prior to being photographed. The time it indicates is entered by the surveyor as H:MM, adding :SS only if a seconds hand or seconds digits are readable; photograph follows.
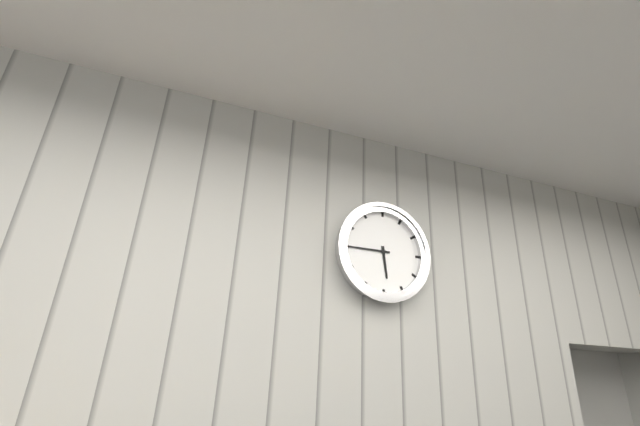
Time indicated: 5:45
